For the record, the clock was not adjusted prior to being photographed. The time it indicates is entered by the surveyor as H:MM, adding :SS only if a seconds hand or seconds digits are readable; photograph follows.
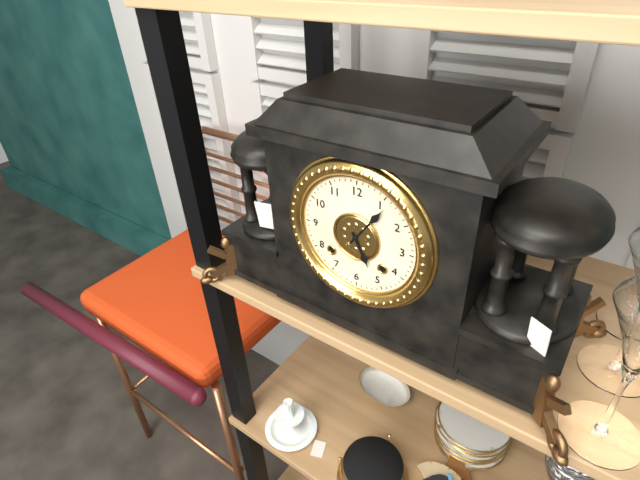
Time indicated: 5:06
